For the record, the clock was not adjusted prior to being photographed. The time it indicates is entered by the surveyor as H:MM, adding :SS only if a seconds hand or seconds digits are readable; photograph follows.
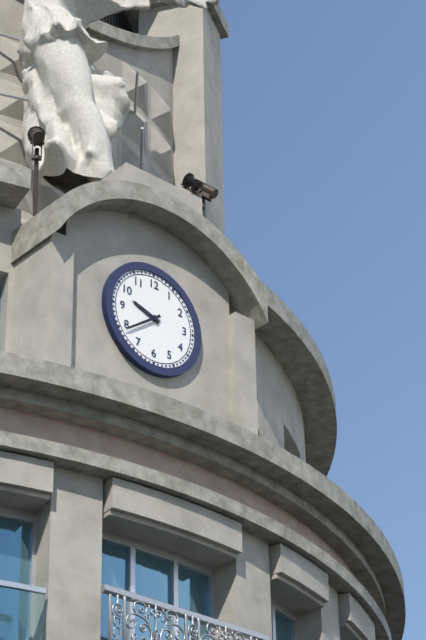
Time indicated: 9:39
